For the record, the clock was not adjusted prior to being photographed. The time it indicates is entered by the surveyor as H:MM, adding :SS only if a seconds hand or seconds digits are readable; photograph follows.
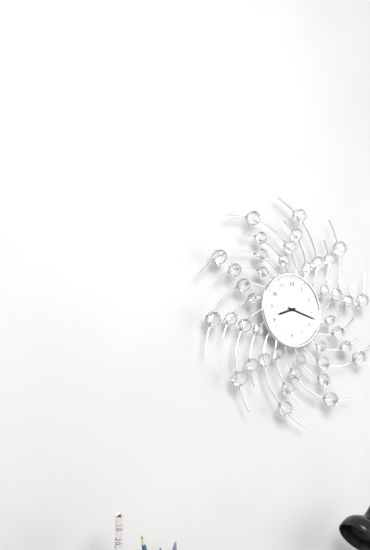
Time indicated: 8:17
